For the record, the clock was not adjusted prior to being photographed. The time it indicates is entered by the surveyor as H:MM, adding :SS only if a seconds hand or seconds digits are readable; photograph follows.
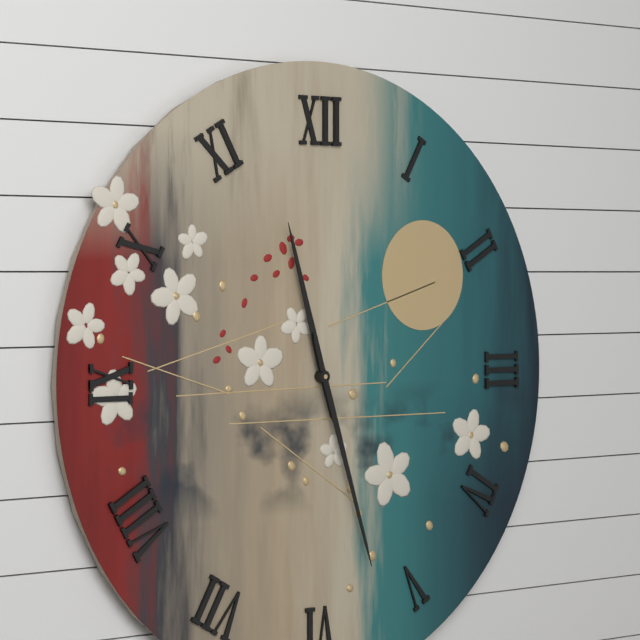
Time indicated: 11:27
